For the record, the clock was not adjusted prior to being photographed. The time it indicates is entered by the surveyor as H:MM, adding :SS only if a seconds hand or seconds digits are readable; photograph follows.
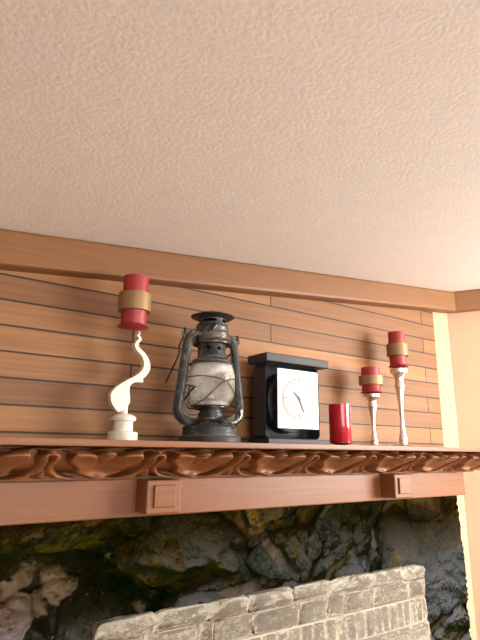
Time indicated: 10:26
